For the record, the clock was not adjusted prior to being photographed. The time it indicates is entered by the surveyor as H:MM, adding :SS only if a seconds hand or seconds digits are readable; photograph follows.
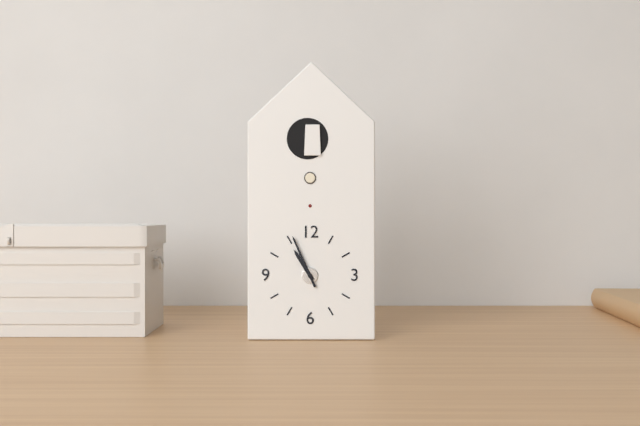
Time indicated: 10:56
